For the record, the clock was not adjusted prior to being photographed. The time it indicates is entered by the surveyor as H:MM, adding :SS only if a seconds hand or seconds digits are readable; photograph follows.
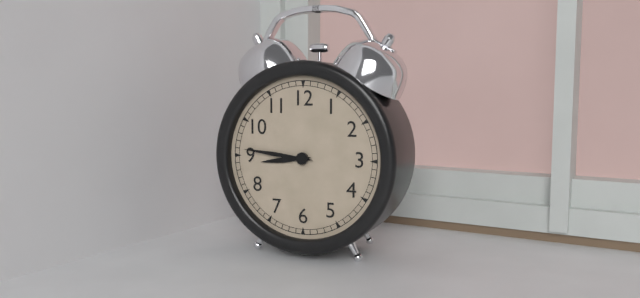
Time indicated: 8:46
